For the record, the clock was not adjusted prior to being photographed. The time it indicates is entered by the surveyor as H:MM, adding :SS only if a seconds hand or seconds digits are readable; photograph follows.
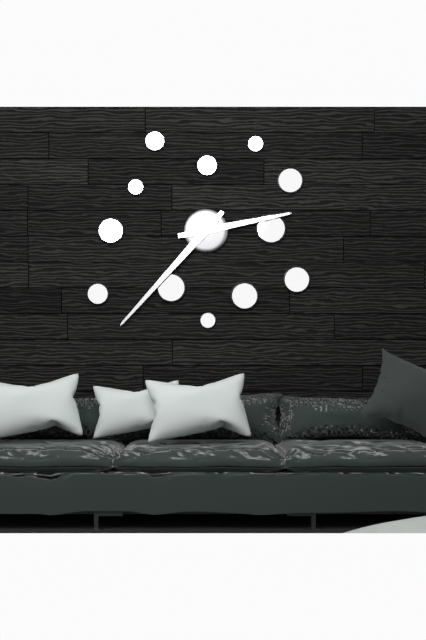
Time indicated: 2:37
